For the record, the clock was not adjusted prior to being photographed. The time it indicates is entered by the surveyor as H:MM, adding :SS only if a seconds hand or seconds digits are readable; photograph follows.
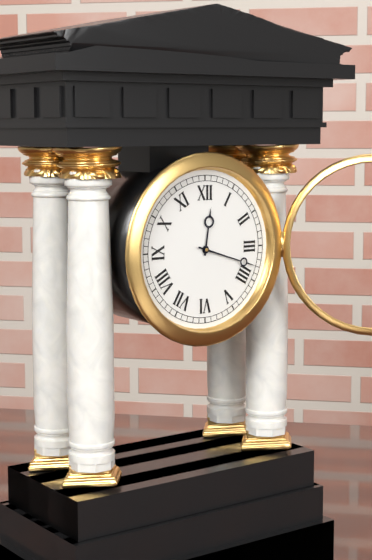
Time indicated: 12:18
